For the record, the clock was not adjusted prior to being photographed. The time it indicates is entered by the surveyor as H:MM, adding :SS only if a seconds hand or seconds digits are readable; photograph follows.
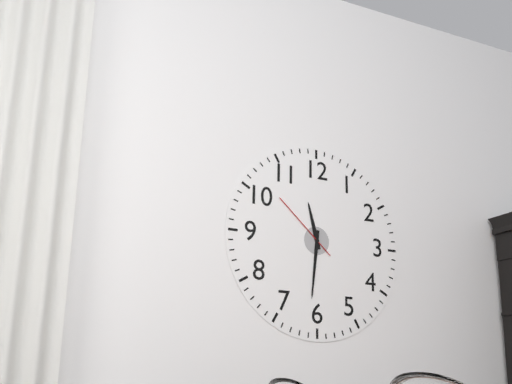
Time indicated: 11:31:52
